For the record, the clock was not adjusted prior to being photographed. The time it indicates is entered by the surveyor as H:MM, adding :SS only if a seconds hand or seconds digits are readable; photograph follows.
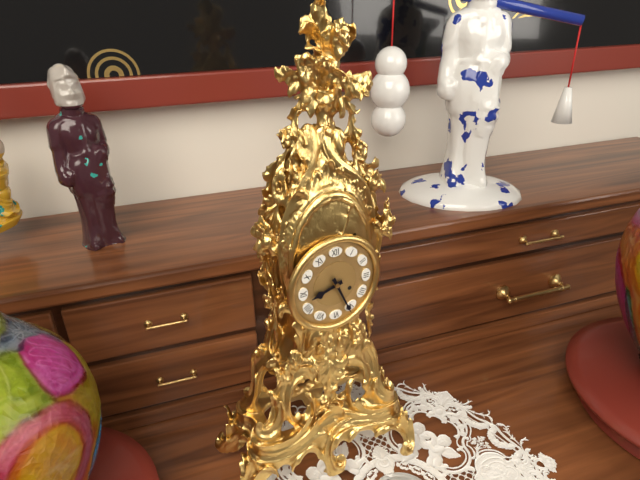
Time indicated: 8:26
